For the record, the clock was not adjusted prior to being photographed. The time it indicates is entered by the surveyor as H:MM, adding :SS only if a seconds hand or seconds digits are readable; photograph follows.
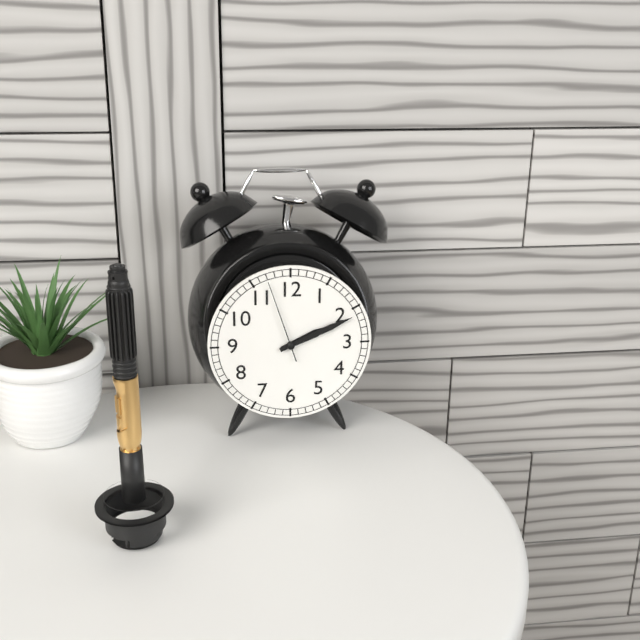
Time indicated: 2:11:57
